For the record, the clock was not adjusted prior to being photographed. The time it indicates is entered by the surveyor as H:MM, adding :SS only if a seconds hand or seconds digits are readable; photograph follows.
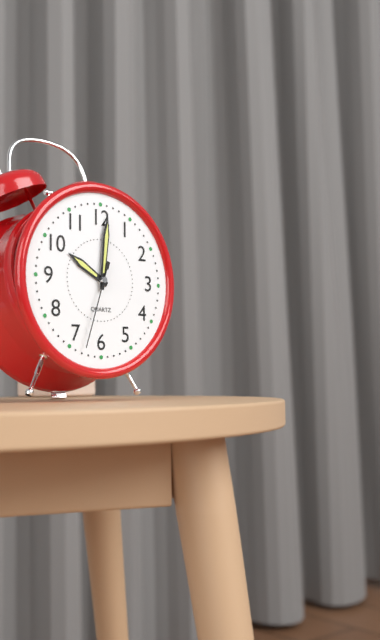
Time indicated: 10:01:33
